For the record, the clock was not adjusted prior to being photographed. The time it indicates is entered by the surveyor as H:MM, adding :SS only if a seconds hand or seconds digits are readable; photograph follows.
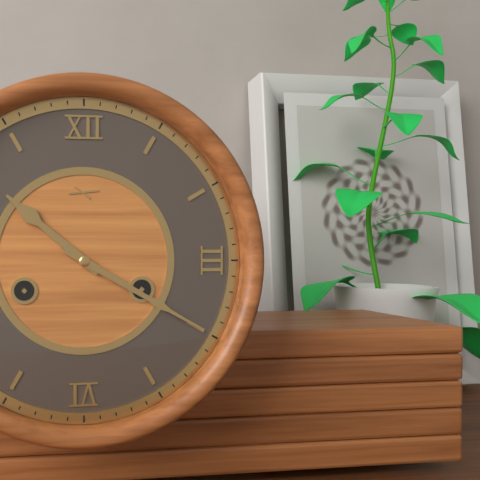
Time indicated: 10:20
